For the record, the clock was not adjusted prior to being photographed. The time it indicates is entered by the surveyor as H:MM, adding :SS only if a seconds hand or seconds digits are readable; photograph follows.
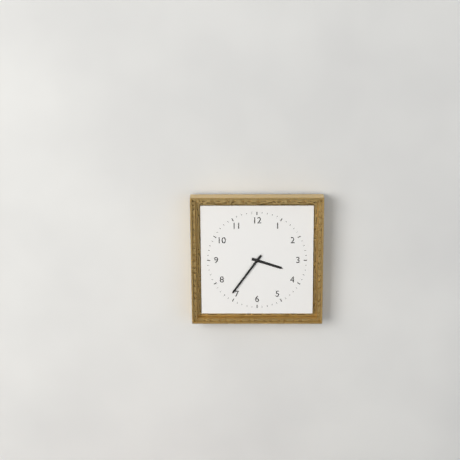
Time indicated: 3:36
